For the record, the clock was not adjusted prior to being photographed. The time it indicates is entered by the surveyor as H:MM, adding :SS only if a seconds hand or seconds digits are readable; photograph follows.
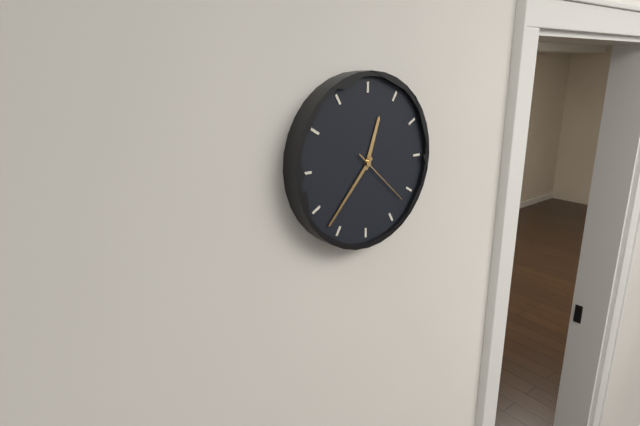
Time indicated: 12:37:22
